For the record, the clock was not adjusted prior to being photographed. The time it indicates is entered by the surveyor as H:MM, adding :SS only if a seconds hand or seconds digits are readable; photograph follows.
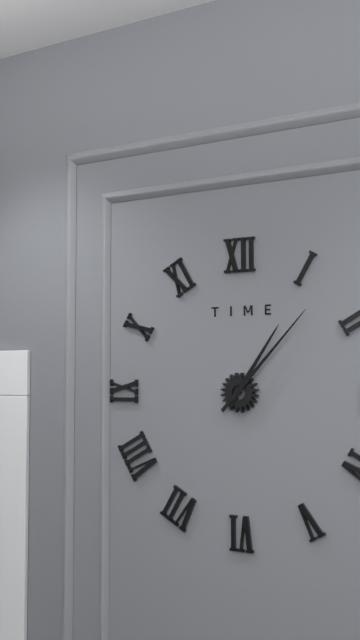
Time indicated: 1:07
